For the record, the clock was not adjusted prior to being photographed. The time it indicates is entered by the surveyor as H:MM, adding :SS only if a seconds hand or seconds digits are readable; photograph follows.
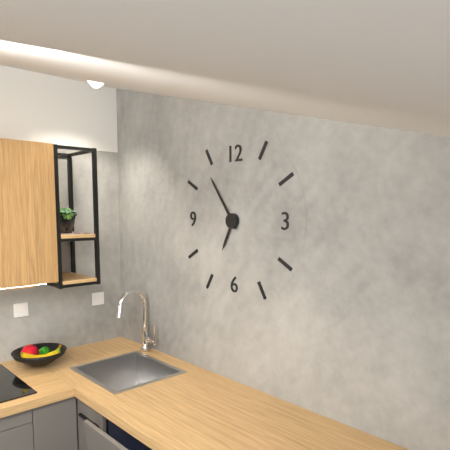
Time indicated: 6:54
